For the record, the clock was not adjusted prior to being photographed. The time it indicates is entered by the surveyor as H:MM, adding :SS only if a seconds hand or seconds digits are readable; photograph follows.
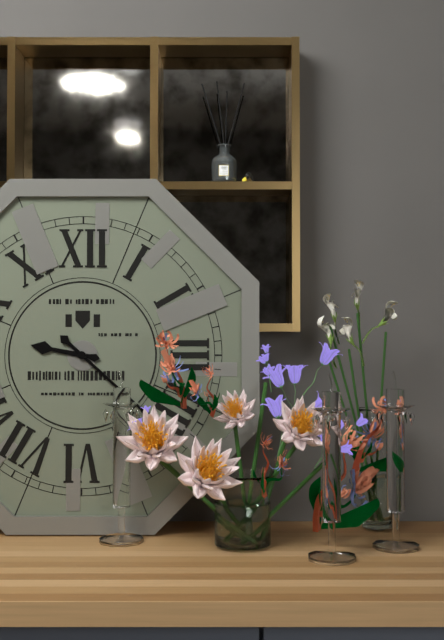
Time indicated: 9:22
